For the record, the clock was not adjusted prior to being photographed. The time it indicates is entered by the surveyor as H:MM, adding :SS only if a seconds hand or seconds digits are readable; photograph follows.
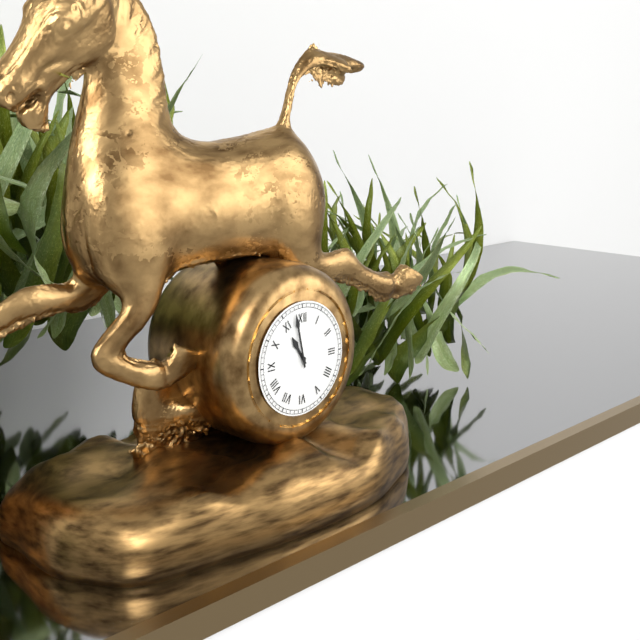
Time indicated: 10:58
